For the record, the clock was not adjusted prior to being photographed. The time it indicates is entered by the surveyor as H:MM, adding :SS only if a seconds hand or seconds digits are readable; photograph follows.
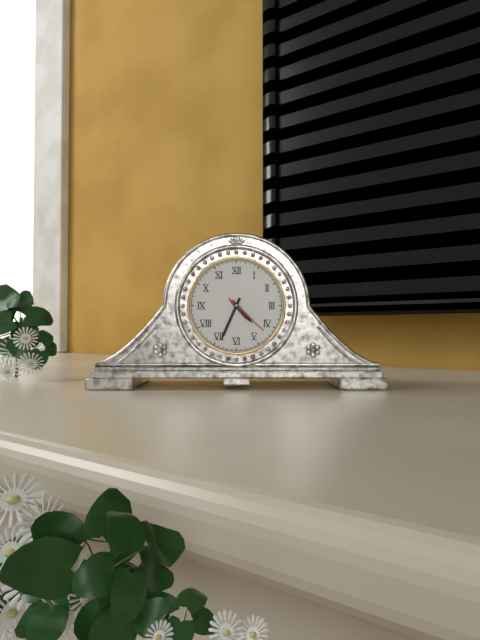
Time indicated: 4:34
